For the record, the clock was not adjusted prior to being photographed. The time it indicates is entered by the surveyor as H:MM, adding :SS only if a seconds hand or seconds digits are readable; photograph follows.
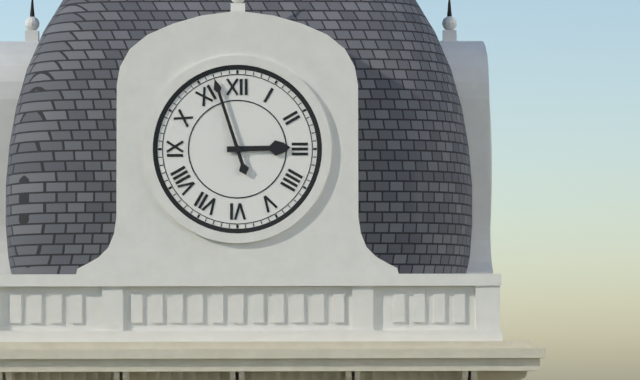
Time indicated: 2:57
